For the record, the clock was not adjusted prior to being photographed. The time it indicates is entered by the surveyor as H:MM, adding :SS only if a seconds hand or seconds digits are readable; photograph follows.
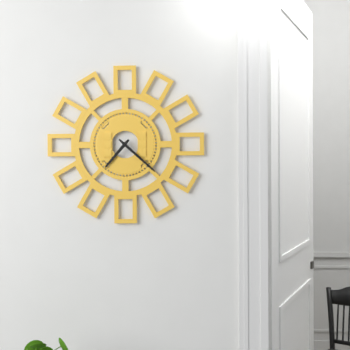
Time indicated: 7:22
